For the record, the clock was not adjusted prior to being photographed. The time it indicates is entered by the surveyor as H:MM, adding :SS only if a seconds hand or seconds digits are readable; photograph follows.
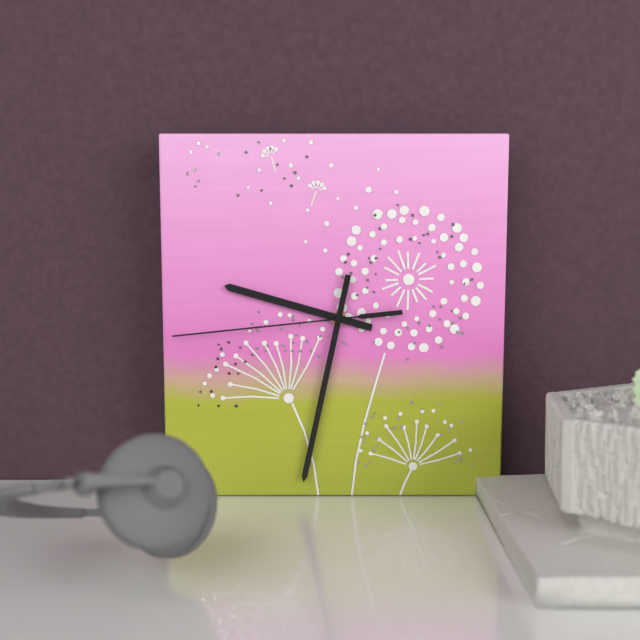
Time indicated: 9:32:44
